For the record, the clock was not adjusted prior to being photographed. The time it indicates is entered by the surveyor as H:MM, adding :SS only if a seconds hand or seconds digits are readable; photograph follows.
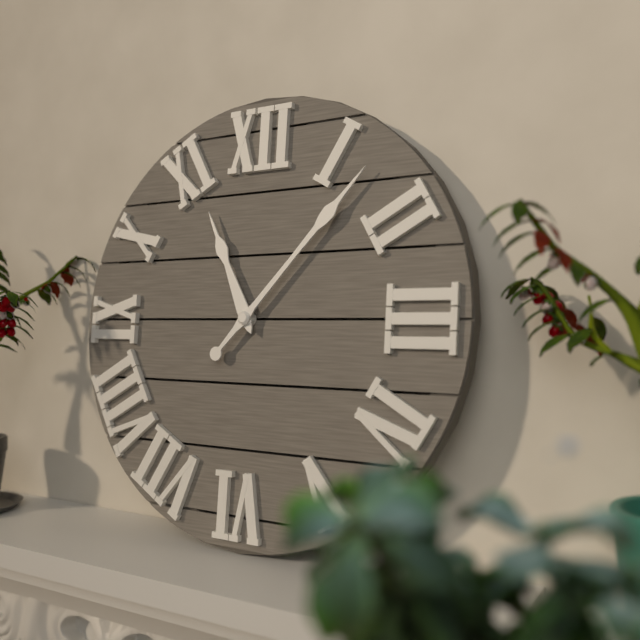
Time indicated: 11:07
